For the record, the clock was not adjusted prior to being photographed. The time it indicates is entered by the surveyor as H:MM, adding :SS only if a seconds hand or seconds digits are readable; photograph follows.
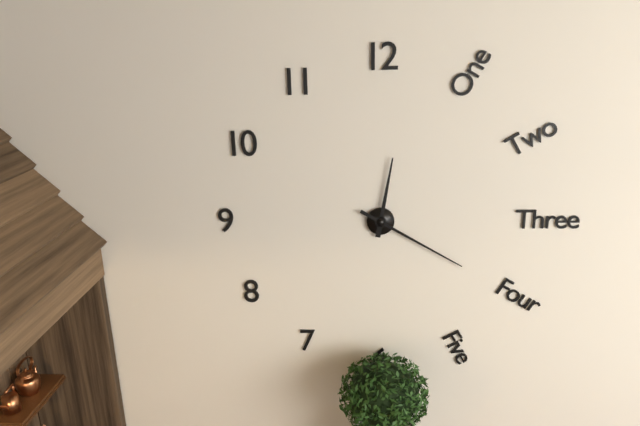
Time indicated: 12:20
